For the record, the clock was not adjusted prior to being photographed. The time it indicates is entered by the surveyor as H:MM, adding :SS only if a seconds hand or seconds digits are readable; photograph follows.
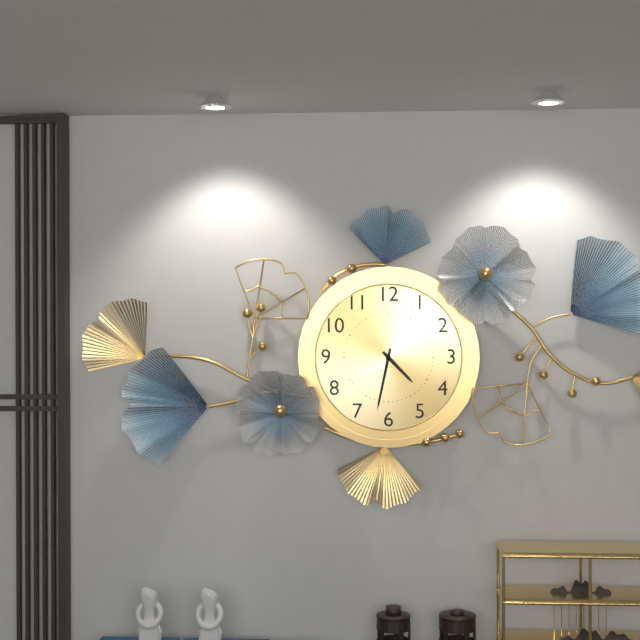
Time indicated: 4:32
